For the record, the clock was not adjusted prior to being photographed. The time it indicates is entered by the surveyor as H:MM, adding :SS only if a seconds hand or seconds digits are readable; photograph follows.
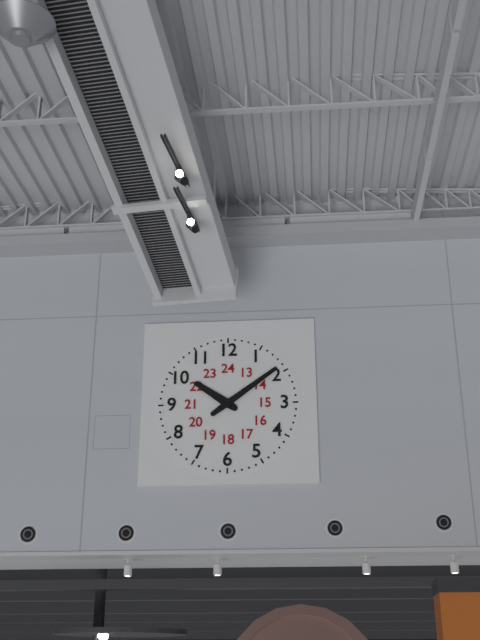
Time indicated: 10:09
